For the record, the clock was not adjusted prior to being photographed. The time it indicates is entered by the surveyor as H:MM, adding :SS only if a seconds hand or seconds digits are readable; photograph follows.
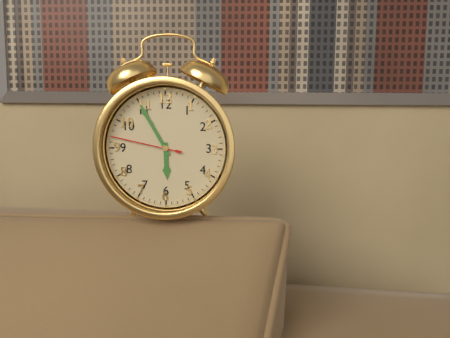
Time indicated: 5:55:47
